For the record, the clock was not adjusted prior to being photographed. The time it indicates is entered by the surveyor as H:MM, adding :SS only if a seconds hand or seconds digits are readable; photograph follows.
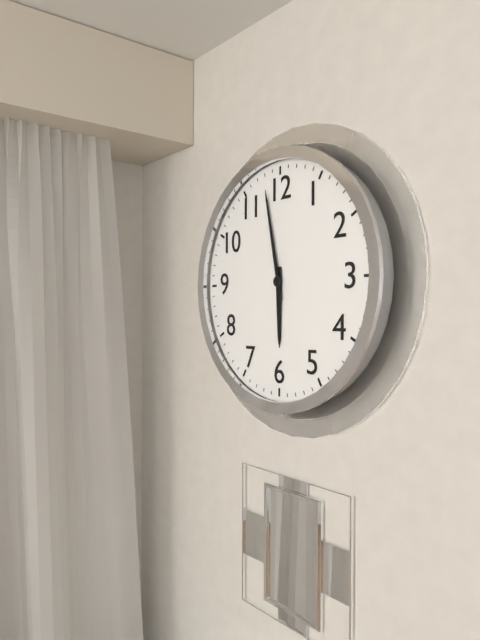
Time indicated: 5:58
